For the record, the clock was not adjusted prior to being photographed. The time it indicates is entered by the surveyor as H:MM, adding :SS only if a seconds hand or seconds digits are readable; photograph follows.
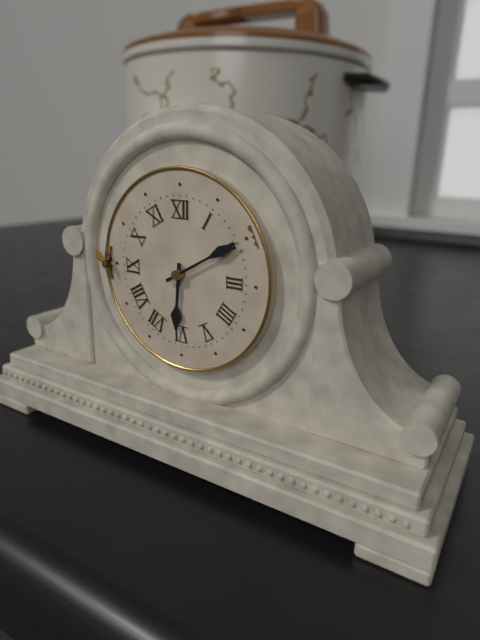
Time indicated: 6:10
